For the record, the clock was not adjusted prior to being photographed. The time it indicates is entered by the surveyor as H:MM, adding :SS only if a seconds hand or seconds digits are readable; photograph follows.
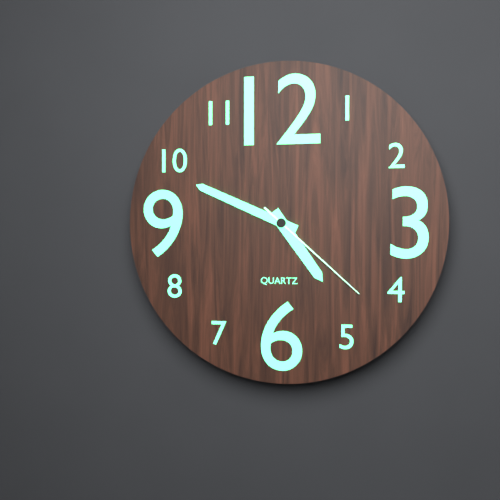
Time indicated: 4:49:22
